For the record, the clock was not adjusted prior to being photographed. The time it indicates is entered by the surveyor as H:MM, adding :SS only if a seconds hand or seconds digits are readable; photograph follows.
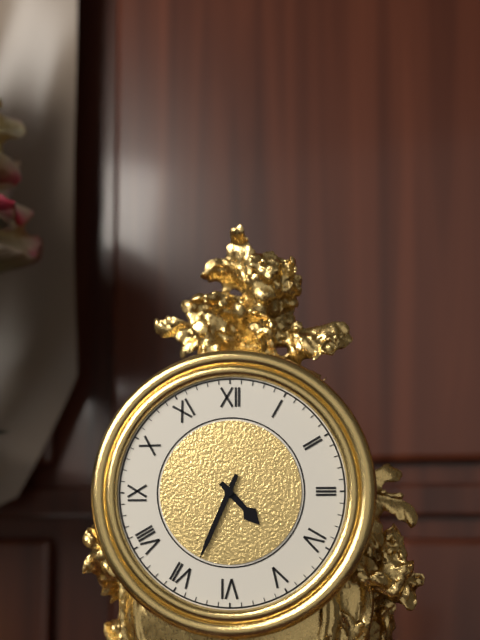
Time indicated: 4:34
